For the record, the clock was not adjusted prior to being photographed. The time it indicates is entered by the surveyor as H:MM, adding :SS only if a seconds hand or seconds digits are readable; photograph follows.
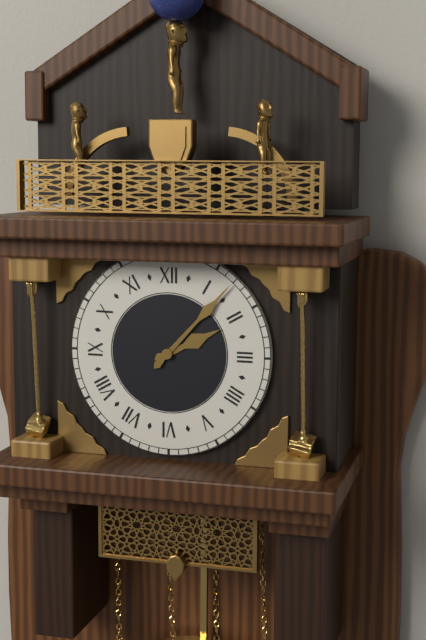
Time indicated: 2:07
